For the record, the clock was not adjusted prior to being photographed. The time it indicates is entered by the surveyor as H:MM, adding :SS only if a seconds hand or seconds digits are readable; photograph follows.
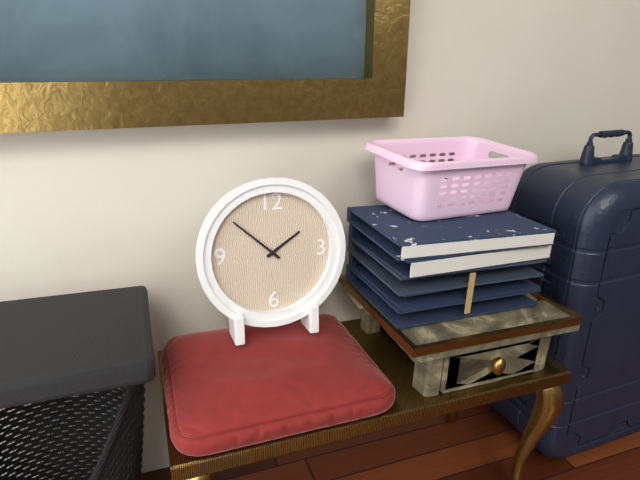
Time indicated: 1:52
